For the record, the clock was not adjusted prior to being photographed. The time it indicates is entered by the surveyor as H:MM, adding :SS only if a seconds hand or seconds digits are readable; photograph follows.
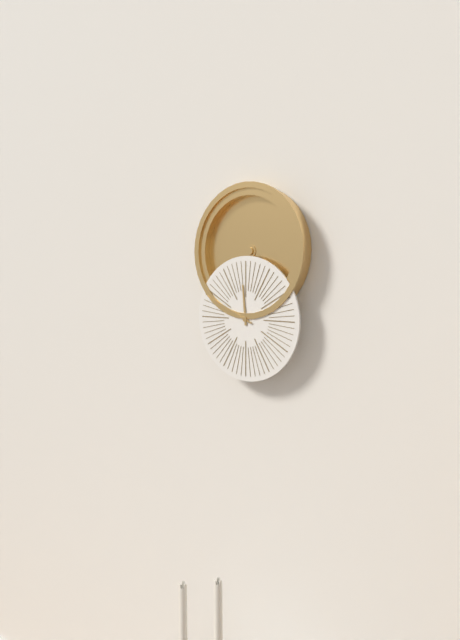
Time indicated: 11:49
